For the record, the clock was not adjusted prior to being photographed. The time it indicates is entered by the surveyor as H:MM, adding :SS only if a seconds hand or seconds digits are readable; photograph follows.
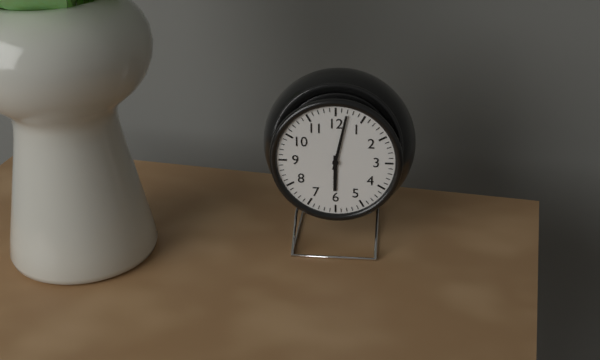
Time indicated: 6:02
